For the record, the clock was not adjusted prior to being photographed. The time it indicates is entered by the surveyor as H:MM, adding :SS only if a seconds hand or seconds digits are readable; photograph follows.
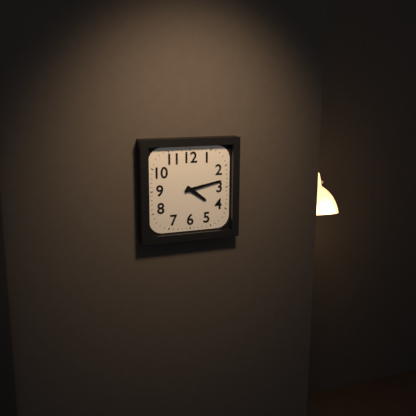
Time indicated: 4:13
